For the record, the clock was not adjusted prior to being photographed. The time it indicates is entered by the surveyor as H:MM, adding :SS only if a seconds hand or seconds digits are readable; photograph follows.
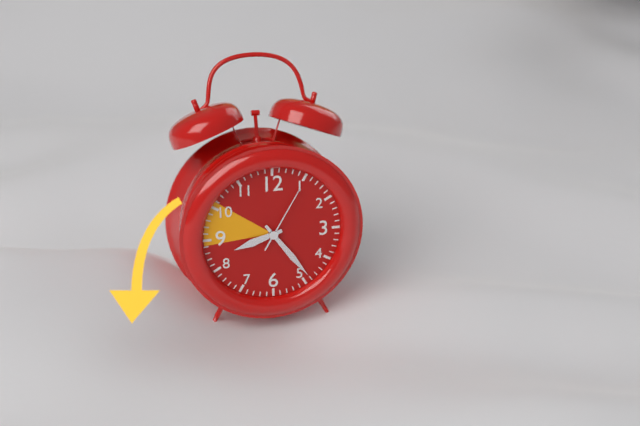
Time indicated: 8:24:05
